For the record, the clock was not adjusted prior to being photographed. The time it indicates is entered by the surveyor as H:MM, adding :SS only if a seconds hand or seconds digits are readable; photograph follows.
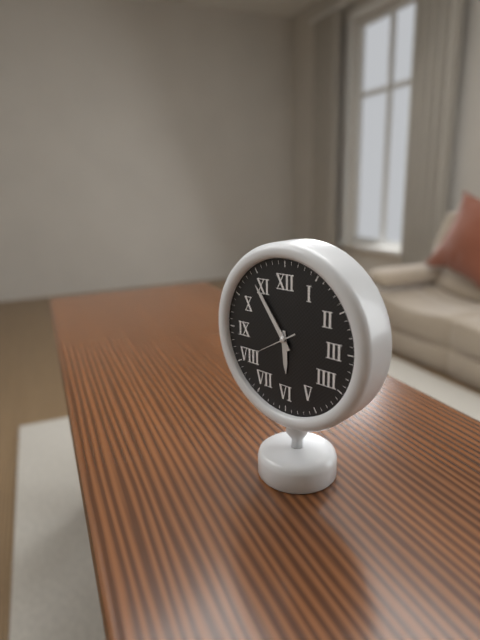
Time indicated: 5:54:40
